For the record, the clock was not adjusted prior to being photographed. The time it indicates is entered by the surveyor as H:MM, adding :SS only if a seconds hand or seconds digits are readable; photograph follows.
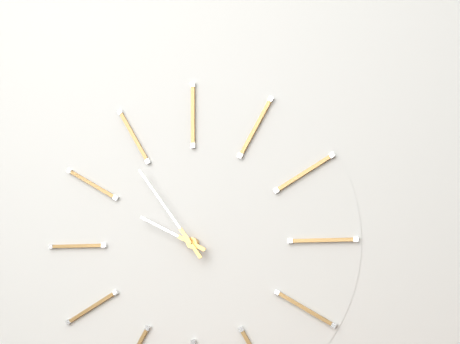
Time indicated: 9:54
